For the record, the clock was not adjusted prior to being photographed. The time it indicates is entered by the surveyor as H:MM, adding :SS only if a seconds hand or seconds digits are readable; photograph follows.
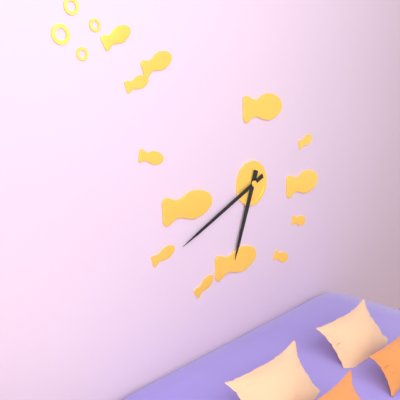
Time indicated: 6:41
